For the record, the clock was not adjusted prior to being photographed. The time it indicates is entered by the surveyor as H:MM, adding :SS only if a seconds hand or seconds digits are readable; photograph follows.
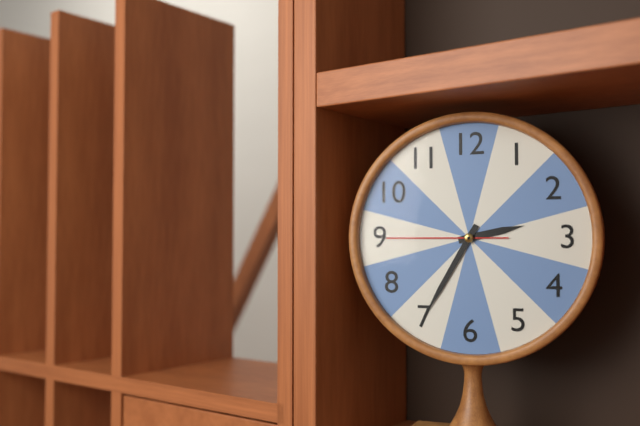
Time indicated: 2:35:45
